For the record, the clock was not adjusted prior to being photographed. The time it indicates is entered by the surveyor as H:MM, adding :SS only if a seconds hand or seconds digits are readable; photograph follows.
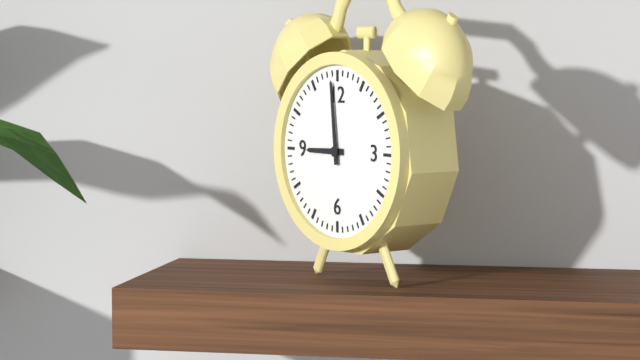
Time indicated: 8:59
